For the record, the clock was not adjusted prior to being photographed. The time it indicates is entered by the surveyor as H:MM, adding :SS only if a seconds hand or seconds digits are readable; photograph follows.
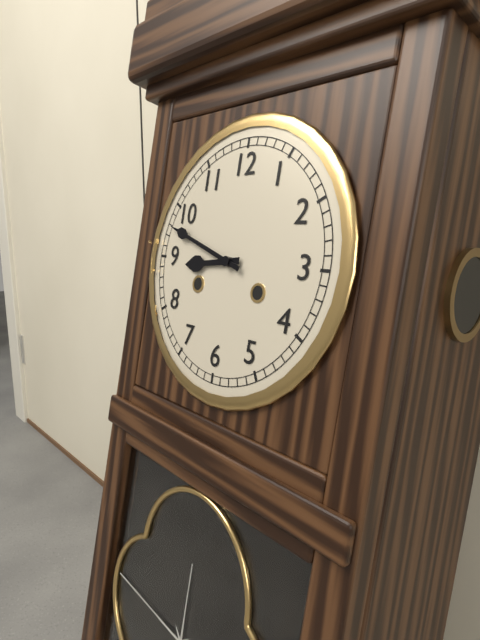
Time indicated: 8:48
